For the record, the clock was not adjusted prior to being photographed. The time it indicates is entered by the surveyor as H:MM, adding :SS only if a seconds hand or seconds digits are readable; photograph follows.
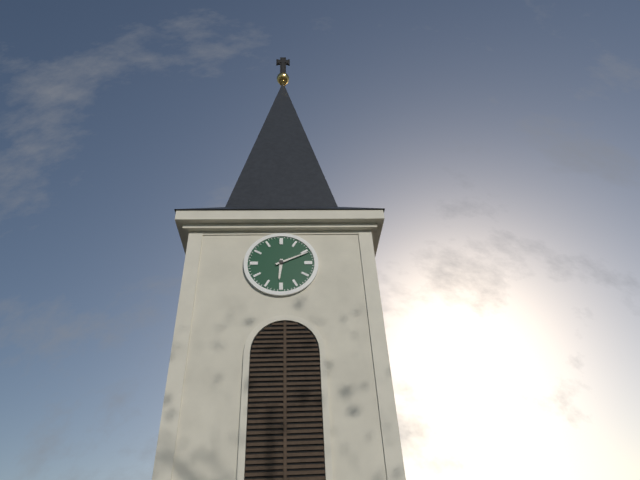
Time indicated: 6:11
